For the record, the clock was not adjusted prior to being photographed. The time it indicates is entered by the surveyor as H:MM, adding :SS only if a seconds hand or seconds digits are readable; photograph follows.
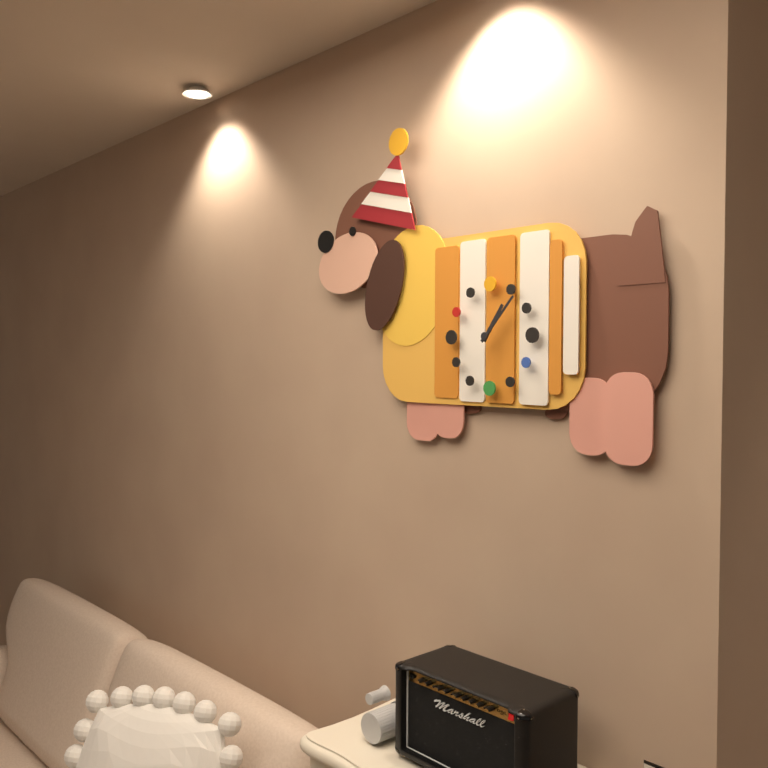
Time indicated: 1:07
